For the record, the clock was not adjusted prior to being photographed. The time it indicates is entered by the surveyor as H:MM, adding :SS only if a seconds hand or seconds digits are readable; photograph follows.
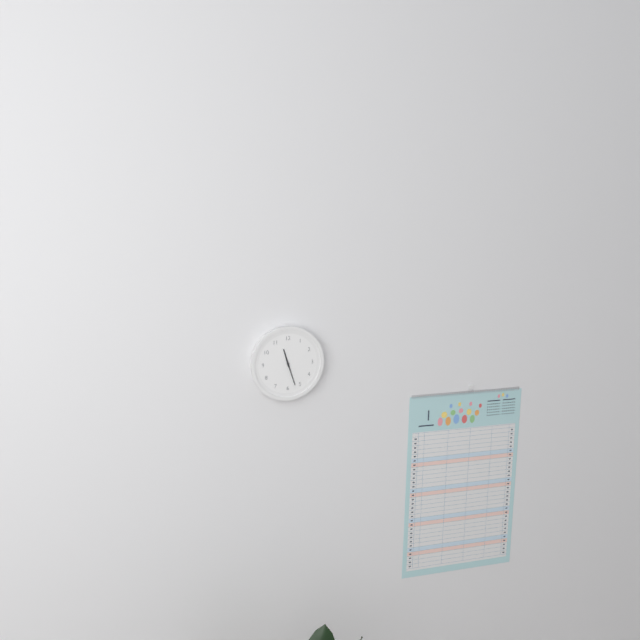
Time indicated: 11:27
